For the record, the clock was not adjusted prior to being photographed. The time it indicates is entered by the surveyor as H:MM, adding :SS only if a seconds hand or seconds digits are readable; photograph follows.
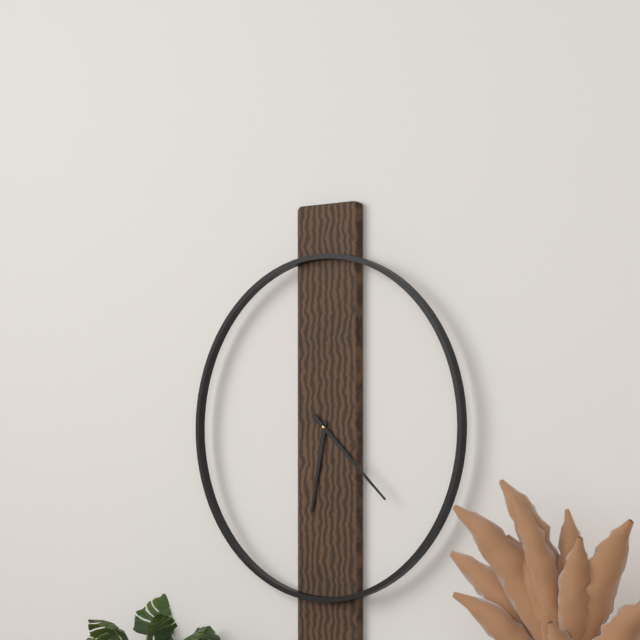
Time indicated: 6:22
